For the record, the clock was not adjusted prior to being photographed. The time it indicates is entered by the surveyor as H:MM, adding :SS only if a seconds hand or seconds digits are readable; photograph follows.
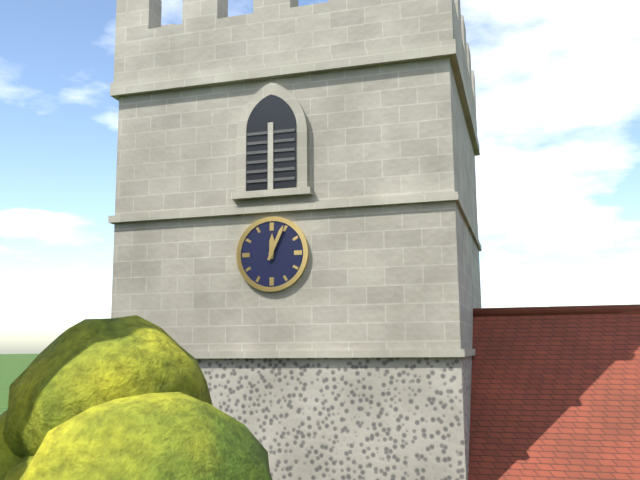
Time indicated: 12:04
